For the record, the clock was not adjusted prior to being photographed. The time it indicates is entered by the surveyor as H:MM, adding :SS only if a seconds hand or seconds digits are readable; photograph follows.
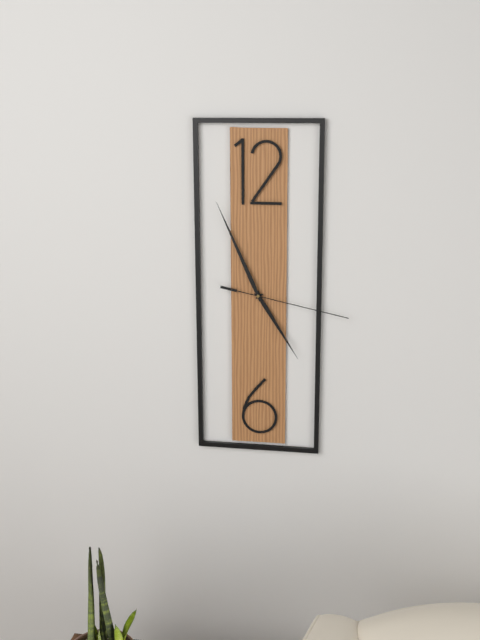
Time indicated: 4:56:17
